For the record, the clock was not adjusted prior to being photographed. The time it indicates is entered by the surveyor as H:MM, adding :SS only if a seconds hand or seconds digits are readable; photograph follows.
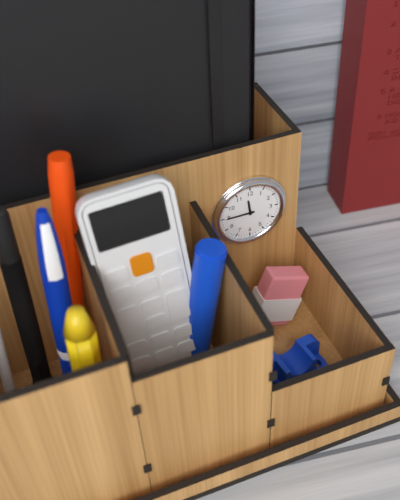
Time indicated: 11:45
